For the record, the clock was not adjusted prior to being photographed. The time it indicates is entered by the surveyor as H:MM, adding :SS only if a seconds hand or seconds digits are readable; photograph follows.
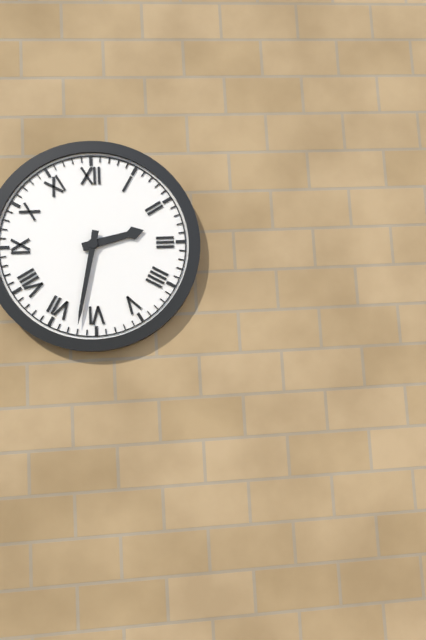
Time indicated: 2:32
